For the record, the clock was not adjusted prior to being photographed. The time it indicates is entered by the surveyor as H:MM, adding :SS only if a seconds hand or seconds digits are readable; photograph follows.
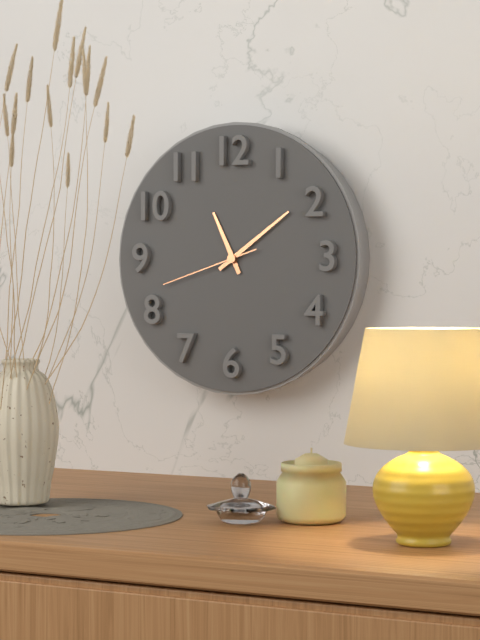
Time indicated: 11:09:42
